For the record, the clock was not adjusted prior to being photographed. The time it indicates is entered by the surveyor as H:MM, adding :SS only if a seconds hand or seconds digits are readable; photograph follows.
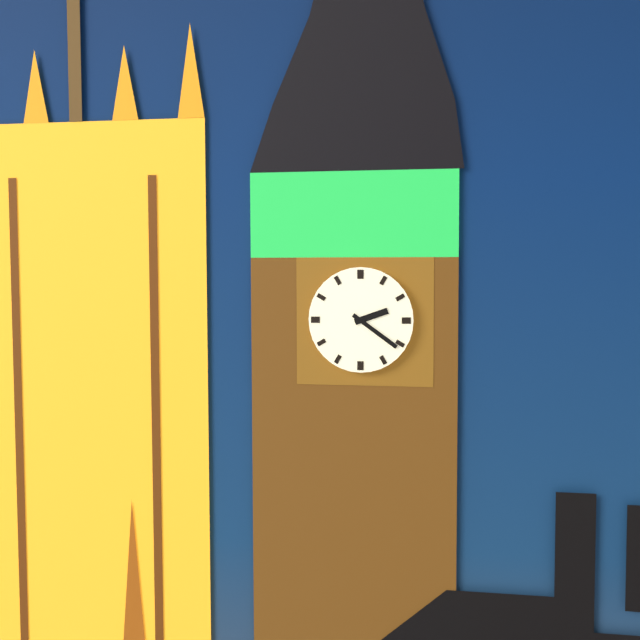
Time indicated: 2:21
